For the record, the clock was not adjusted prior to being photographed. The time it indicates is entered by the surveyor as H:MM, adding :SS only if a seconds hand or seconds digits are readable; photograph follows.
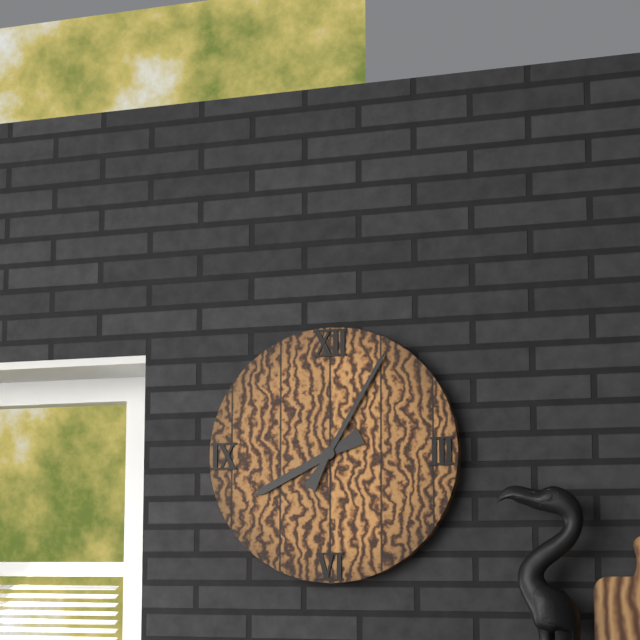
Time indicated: 8:05
